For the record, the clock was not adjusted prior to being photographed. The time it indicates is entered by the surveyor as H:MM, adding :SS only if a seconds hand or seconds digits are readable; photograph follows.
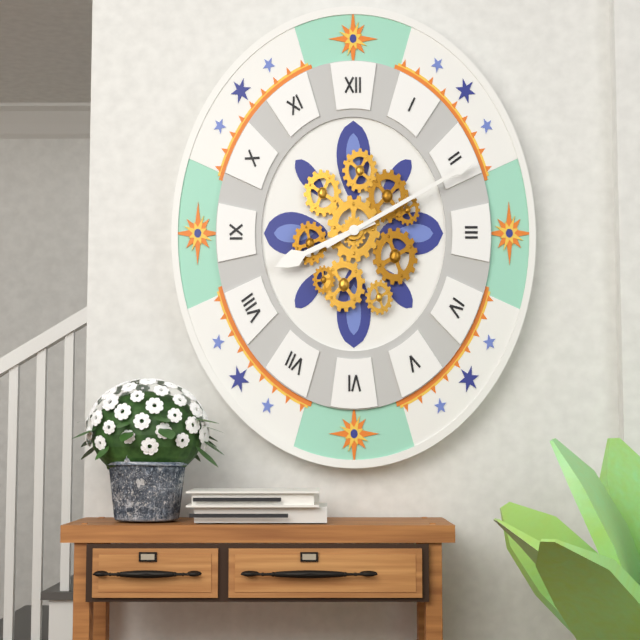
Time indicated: 8:10
